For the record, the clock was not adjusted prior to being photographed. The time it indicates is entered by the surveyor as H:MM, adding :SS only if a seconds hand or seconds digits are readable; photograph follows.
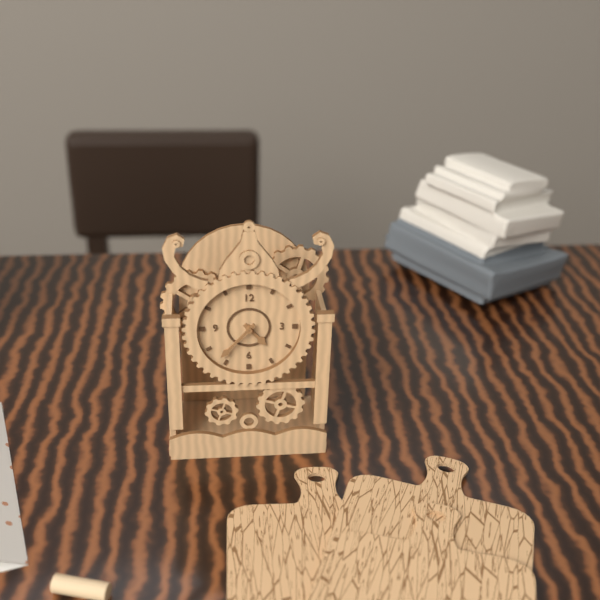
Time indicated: 4:37
